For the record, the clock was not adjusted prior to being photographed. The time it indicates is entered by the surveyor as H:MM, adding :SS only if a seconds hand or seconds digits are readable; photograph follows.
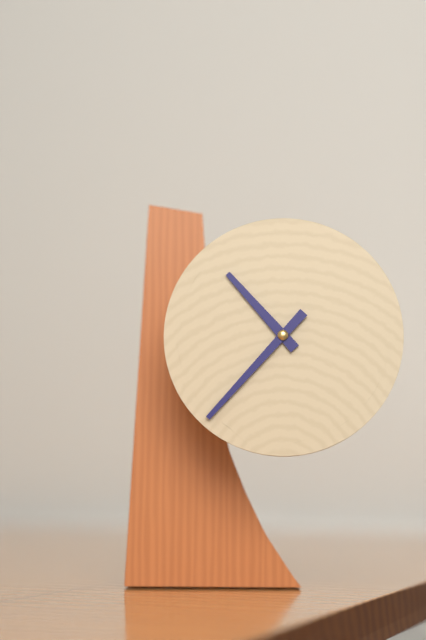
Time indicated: 10:37
